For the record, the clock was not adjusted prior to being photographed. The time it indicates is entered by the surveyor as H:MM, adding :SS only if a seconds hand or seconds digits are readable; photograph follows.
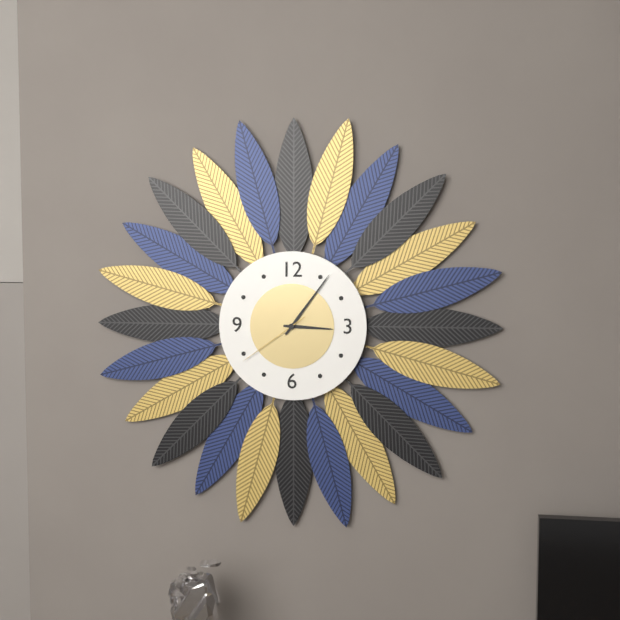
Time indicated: 3:06:39
